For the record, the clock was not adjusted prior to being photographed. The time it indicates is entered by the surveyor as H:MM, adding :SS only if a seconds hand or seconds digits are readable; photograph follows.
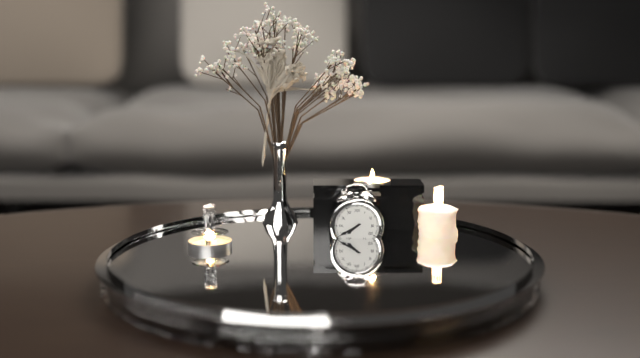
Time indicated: 7:40
